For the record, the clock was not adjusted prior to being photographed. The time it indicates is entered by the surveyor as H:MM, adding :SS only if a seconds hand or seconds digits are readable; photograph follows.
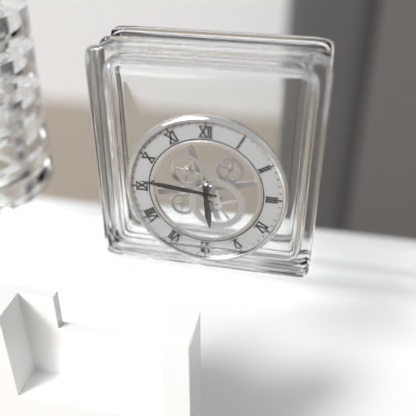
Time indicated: 5:46
